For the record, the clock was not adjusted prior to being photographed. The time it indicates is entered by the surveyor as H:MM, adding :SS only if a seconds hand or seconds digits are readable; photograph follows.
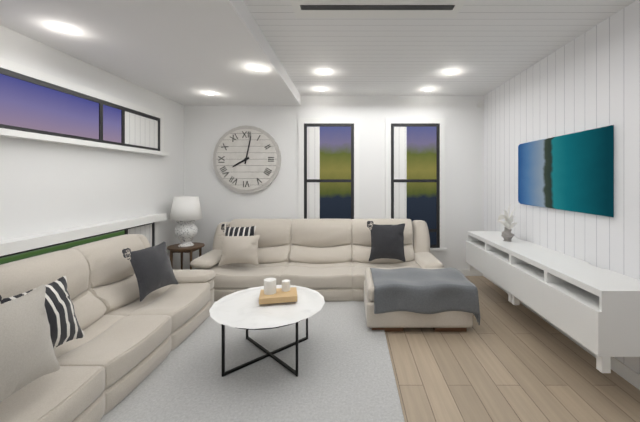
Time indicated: 8:02
